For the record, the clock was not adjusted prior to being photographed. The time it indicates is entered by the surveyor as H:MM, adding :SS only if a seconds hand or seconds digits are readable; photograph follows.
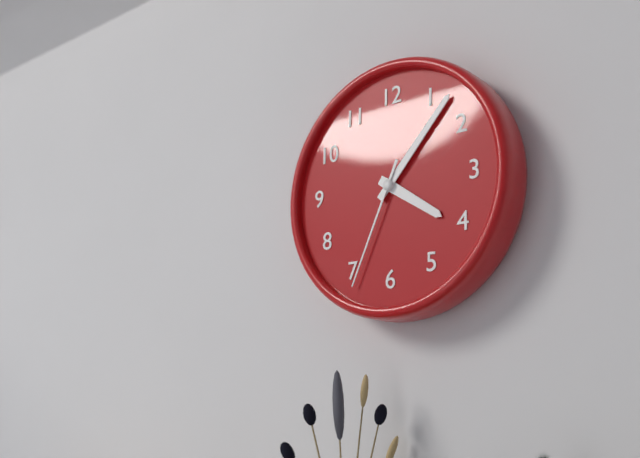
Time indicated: 4:07:34
